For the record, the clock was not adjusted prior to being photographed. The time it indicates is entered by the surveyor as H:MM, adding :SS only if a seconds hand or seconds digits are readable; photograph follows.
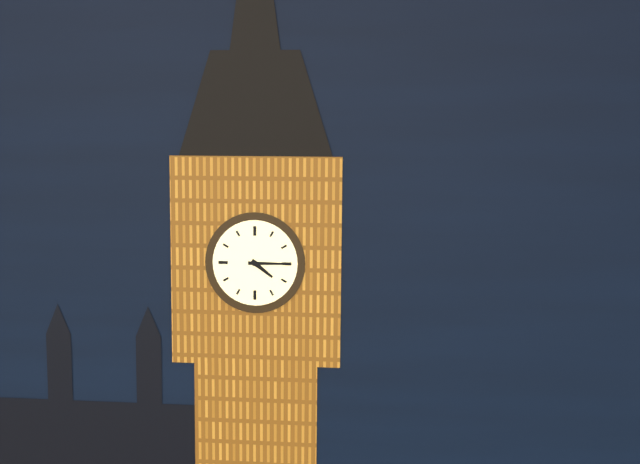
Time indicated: 4:15
